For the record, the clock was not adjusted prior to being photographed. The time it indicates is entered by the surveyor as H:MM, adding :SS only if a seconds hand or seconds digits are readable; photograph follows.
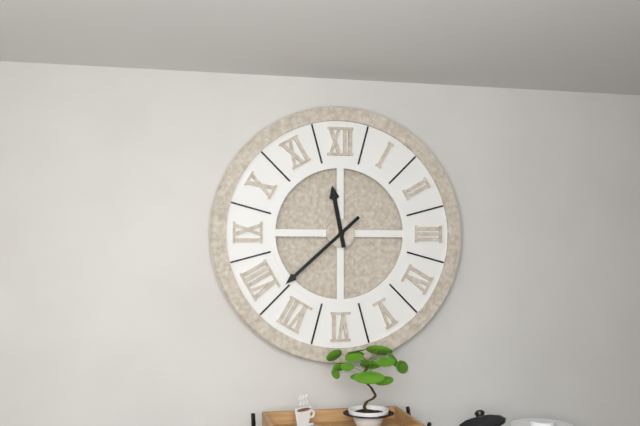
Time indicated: 11:38
